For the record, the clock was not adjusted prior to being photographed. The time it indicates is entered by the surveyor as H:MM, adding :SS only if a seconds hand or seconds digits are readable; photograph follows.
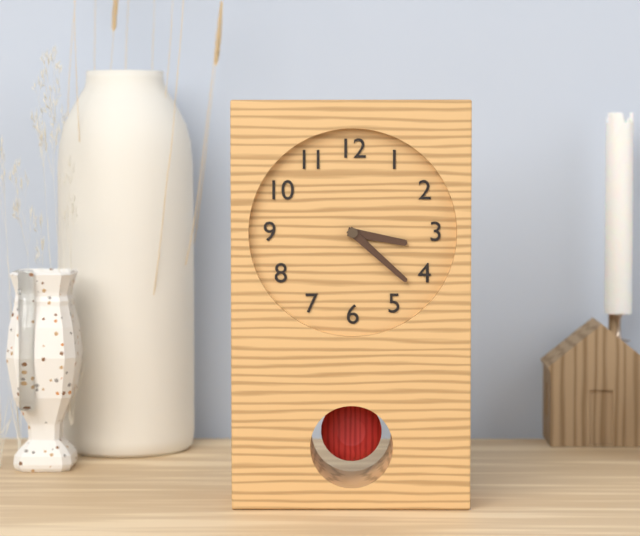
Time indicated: 3:22
